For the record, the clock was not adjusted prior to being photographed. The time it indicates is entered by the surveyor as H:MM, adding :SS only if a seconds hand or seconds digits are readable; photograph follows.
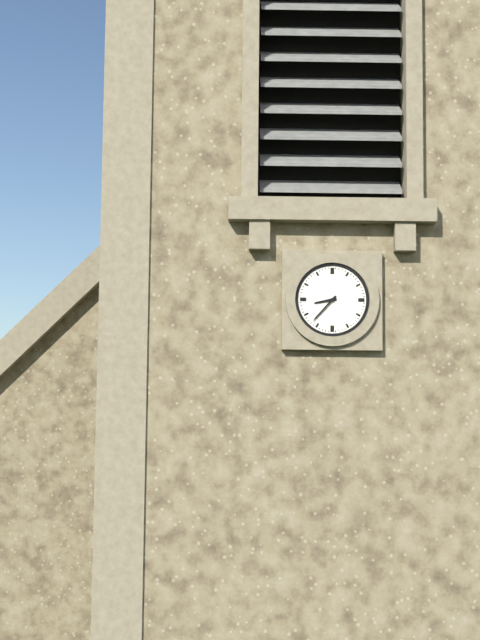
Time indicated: 8:37
